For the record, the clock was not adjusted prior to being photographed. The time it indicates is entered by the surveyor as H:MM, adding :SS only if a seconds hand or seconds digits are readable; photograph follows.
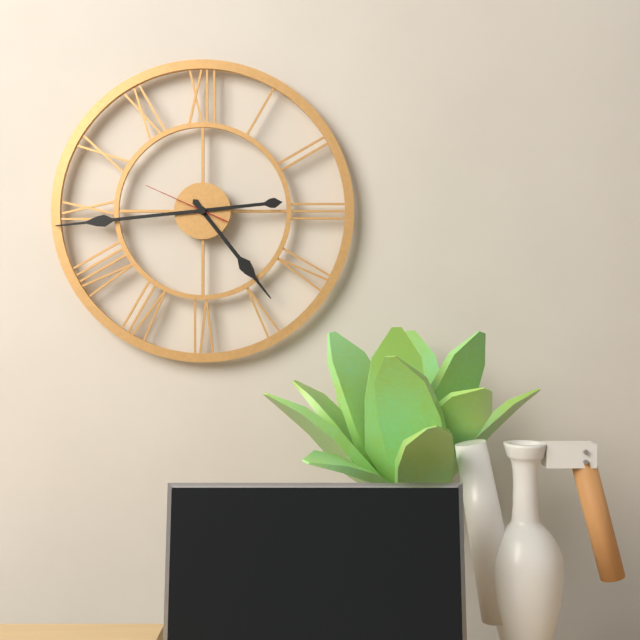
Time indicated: 4:44:49
